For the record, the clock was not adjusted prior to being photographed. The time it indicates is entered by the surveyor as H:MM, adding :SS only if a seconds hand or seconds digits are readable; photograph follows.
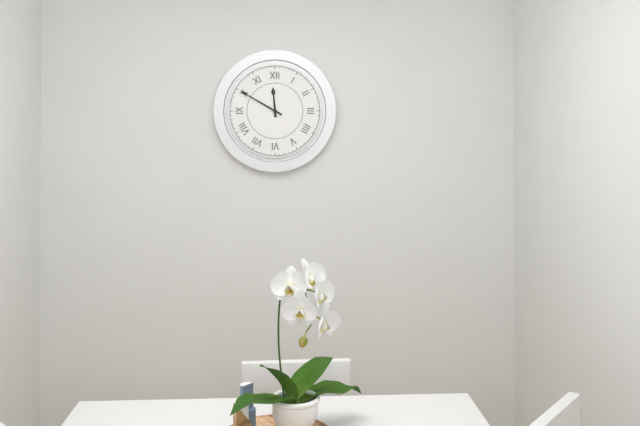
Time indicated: 11:50
